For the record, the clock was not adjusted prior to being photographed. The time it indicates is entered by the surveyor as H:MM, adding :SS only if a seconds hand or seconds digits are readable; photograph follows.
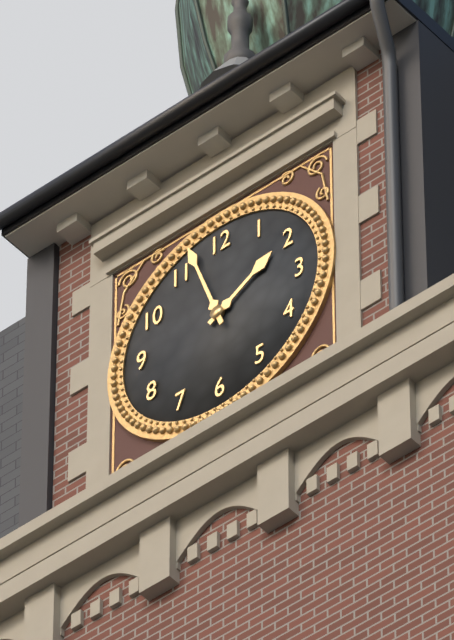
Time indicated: 1:57
